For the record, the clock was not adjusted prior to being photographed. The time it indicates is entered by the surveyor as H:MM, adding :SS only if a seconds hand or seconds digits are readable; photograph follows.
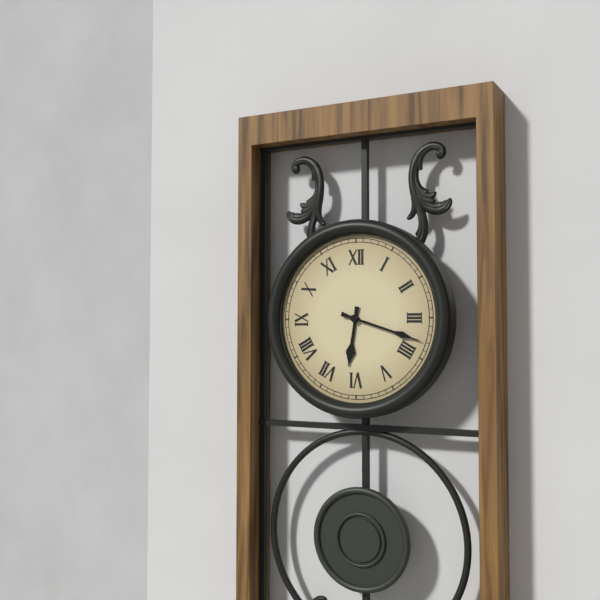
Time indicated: 6:18
